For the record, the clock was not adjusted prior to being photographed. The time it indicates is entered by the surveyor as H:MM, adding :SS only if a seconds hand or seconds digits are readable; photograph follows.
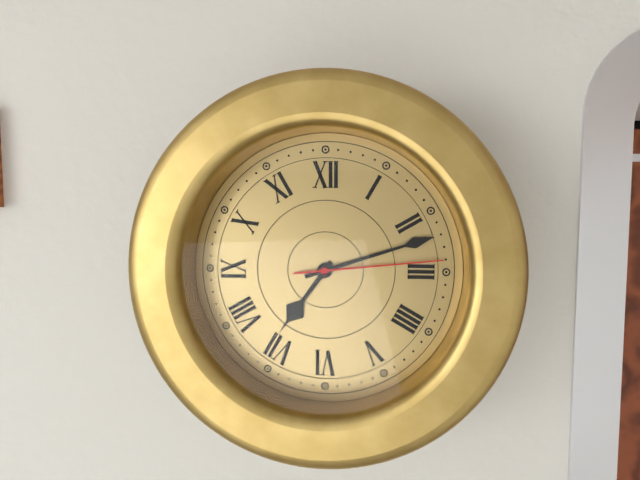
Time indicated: 7:12:14
